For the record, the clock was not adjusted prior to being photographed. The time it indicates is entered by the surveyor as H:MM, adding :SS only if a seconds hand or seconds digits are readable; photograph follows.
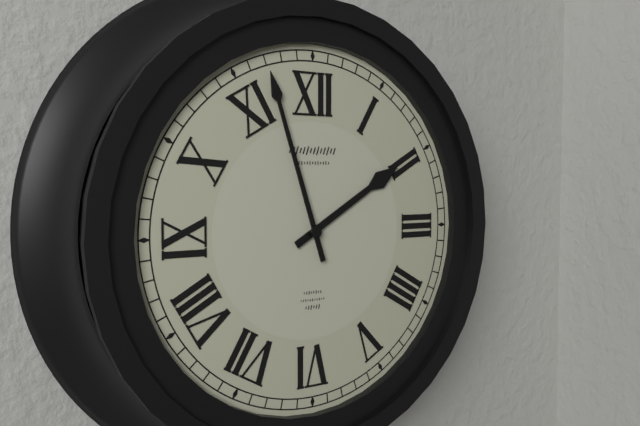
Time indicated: 1:57
